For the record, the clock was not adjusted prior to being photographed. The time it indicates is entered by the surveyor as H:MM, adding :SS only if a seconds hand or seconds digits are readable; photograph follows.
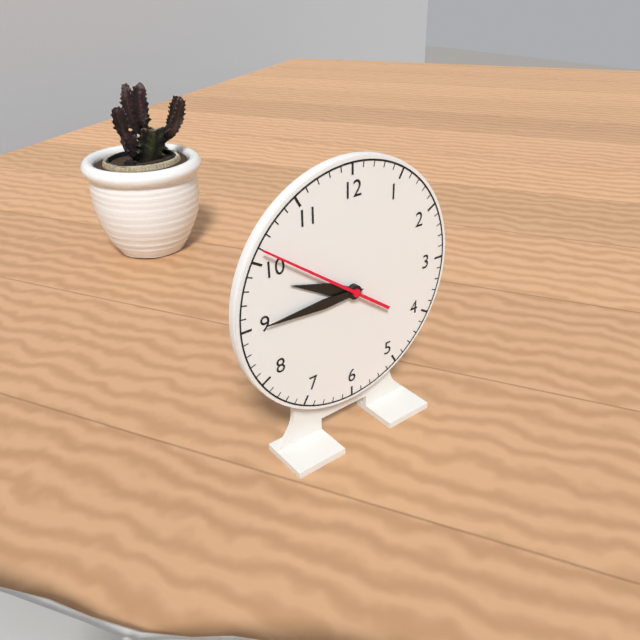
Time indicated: 9:45:51
